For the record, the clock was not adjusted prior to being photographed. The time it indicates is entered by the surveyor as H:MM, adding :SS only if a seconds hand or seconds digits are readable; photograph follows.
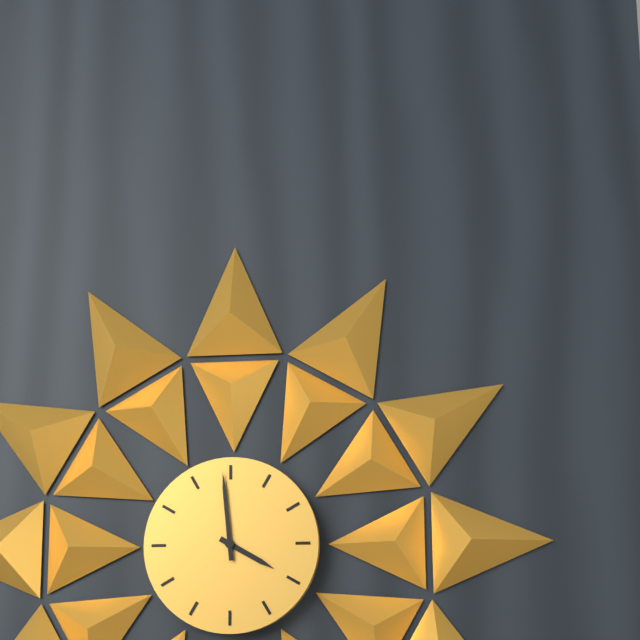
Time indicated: 3:59
